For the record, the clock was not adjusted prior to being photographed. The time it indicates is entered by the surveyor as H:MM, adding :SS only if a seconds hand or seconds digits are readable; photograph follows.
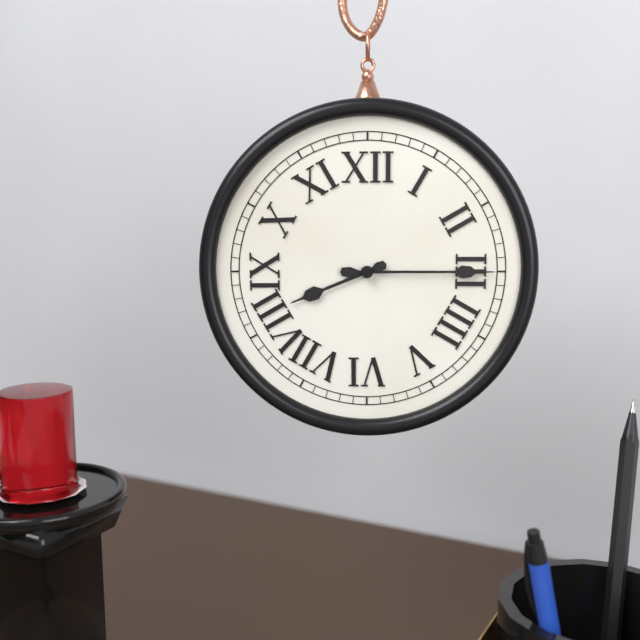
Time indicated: 8:15
